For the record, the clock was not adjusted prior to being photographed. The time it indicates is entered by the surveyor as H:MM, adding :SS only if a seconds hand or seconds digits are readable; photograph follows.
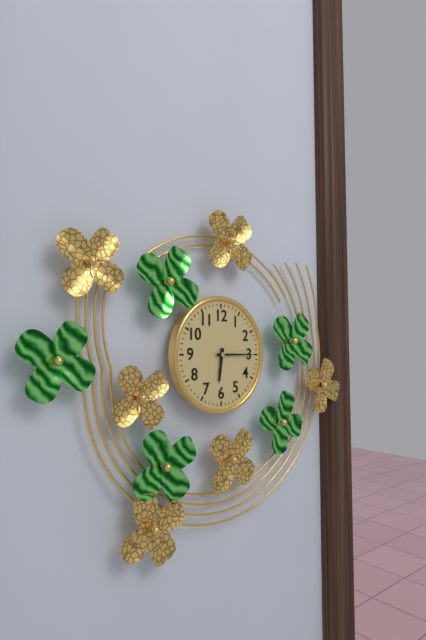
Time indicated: 6:15
